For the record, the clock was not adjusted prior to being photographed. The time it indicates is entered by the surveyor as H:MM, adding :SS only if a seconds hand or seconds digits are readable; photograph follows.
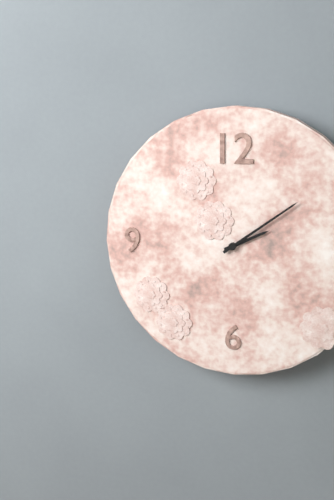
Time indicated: 2:09
